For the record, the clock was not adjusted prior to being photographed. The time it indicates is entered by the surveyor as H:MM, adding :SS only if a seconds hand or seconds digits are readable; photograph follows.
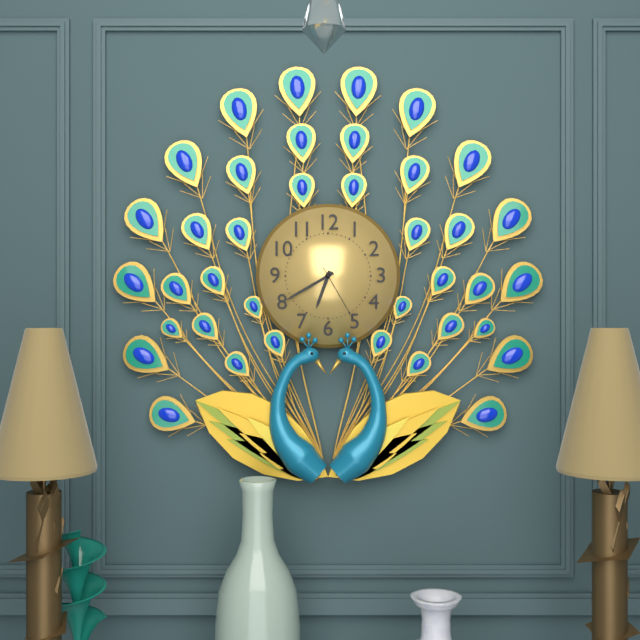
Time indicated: 6:40:25
